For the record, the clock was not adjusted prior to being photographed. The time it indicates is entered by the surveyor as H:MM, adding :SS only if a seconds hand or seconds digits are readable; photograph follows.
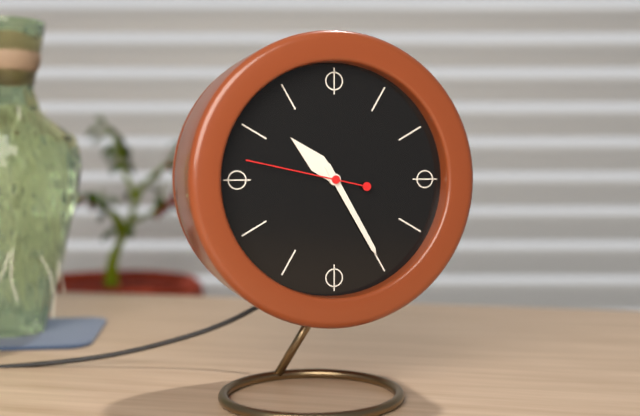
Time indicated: 10:25:47
